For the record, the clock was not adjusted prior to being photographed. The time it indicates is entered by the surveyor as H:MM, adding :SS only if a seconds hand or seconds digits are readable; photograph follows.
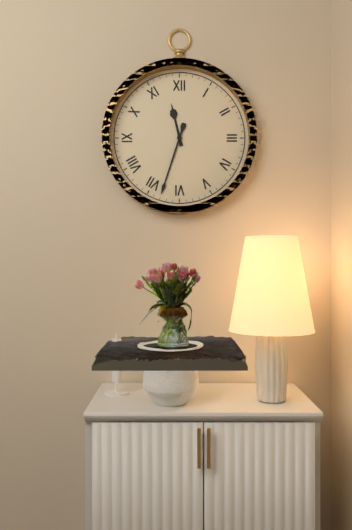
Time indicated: 11:33
